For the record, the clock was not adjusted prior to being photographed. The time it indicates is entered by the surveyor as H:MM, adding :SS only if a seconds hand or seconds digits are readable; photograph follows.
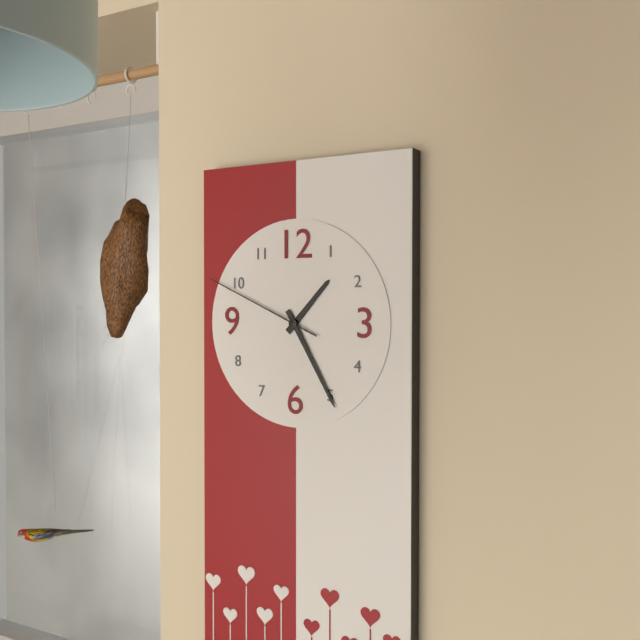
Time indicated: 1:25:49
